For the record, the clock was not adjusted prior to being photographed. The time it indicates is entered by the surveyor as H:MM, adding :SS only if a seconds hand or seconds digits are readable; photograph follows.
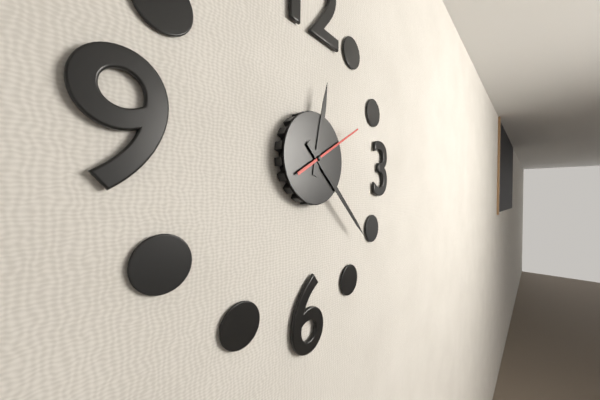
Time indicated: 12:22:10
